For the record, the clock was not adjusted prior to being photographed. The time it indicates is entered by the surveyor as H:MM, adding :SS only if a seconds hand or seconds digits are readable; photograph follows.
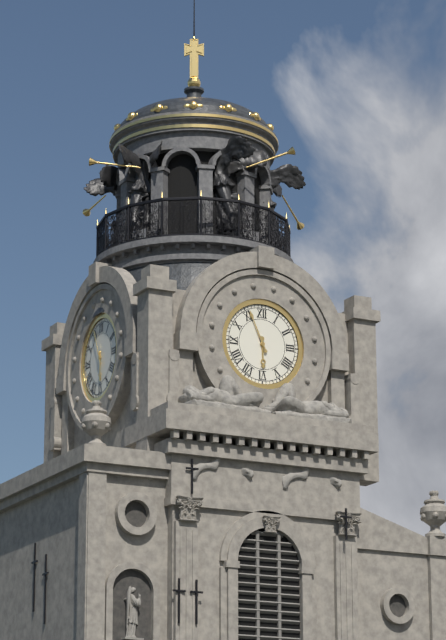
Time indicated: 5:56
